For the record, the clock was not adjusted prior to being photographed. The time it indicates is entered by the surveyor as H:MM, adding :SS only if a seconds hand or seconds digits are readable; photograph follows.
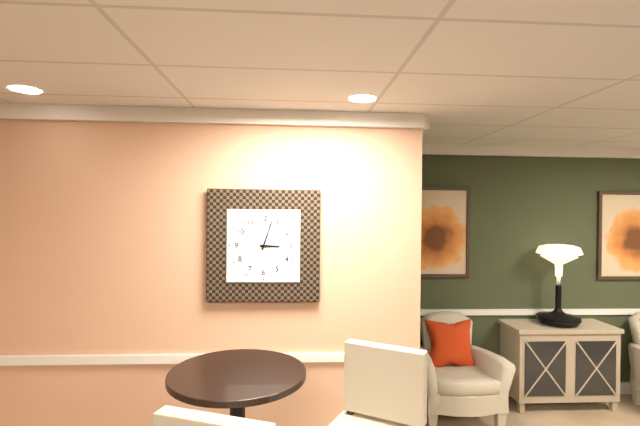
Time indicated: 3:03
